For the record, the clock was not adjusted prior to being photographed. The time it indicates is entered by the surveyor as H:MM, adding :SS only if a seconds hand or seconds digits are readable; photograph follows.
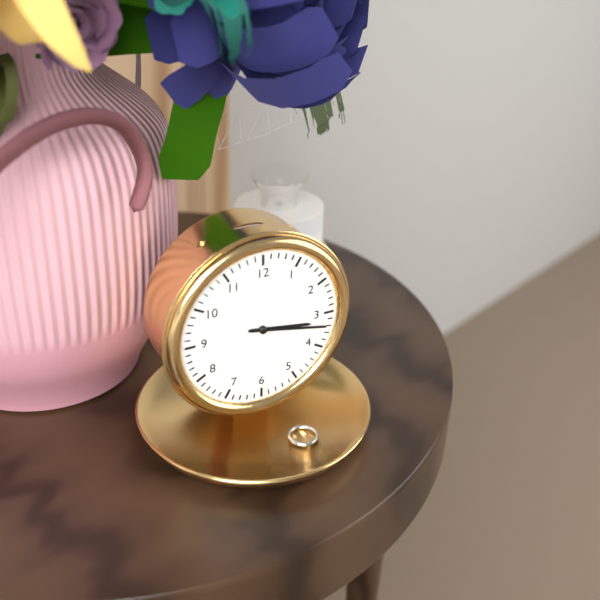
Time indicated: 3:17
